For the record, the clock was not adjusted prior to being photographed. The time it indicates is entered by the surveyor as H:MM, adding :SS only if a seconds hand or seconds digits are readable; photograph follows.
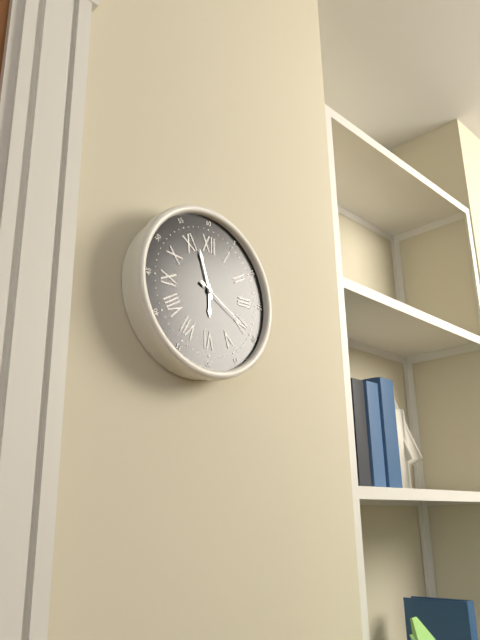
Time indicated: 5:57:20
